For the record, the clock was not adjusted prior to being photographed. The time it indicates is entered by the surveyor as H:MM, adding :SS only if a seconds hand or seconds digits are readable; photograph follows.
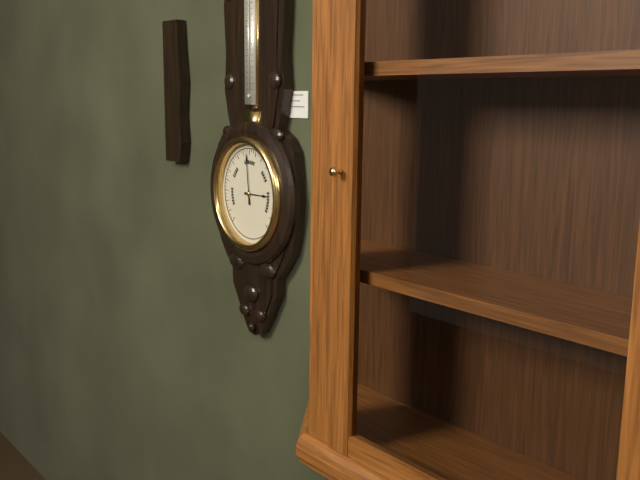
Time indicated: 2:59
